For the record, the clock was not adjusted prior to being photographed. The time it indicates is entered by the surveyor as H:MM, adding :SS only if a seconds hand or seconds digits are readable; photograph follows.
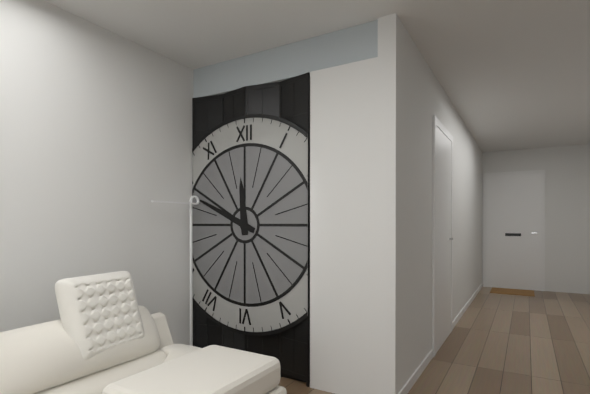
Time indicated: 11:49
